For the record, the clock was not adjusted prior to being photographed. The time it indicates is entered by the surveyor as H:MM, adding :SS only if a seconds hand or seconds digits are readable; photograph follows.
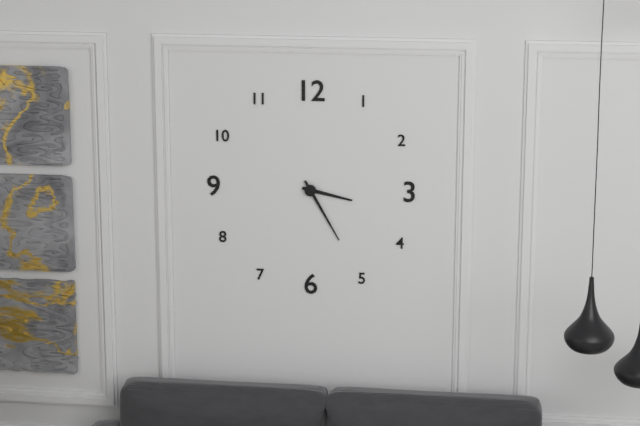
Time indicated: 3:25
